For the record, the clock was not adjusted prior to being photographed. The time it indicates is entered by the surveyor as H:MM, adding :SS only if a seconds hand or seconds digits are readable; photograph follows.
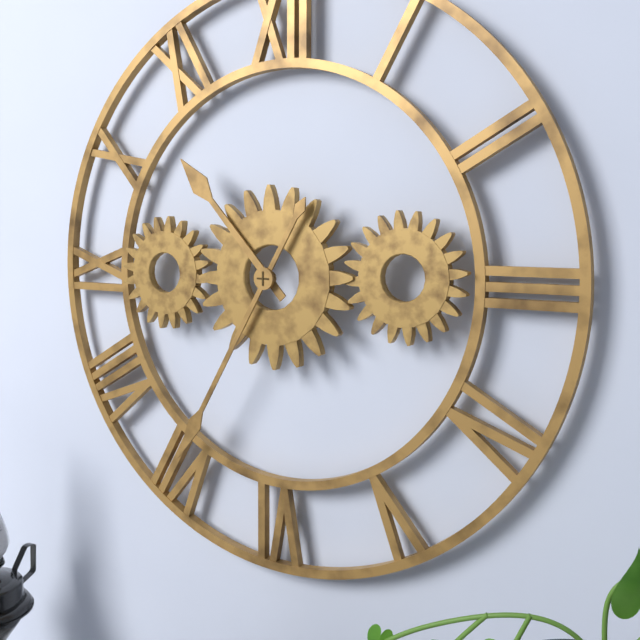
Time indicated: 10:35
